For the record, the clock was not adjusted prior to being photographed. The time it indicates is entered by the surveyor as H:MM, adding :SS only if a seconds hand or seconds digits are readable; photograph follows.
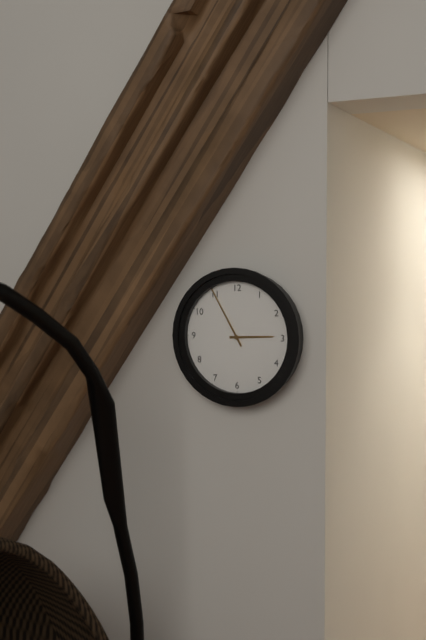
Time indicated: 2:55
